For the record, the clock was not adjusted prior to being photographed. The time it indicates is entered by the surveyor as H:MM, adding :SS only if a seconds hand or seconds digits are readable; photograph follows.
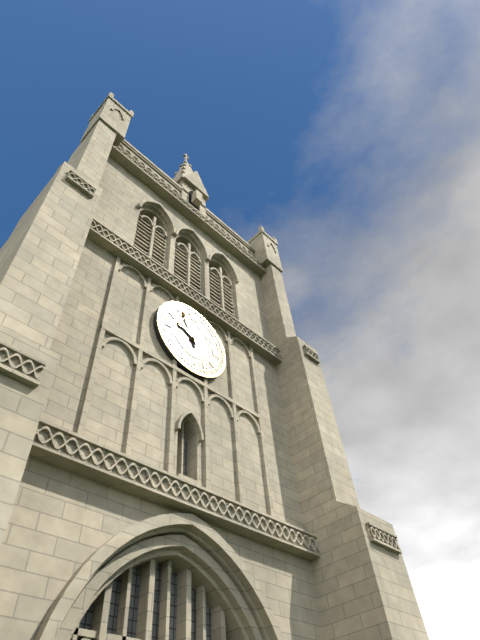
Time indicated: 9:56
